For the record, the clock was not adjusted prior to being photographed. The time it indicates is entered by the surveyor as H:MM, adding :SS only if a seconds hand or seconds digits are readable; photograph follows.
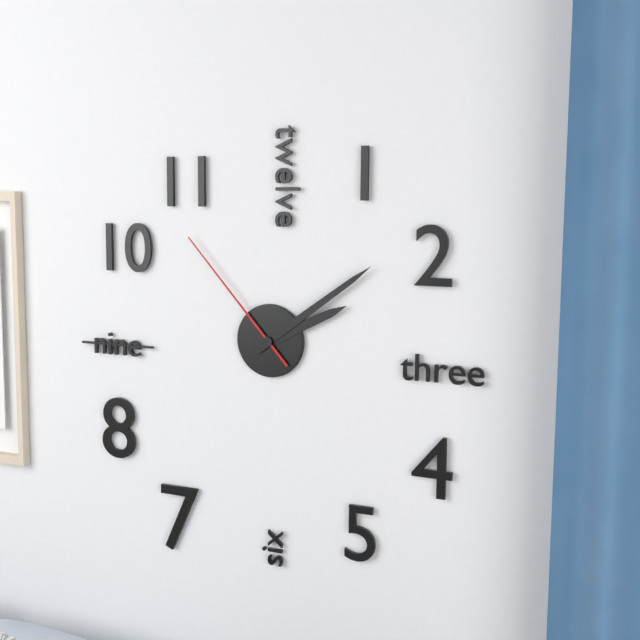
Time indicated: 2:09:53
